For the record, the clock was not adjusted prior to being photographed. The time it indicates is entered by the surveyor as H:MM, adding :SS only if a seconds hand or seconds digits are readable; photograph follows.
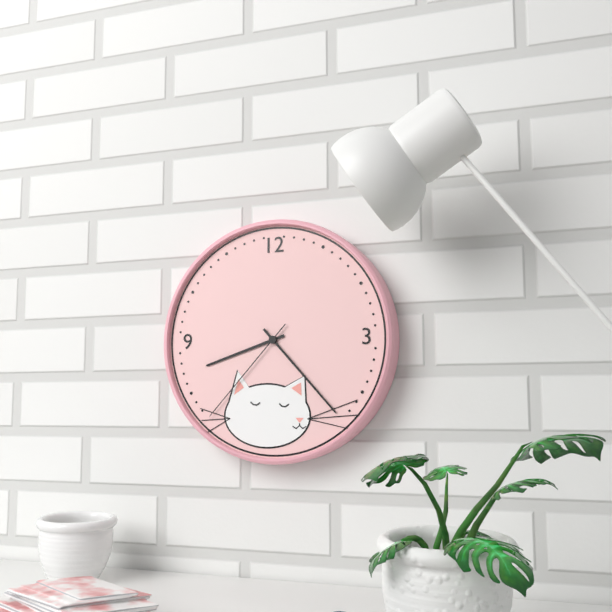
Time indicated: 8:23:37
